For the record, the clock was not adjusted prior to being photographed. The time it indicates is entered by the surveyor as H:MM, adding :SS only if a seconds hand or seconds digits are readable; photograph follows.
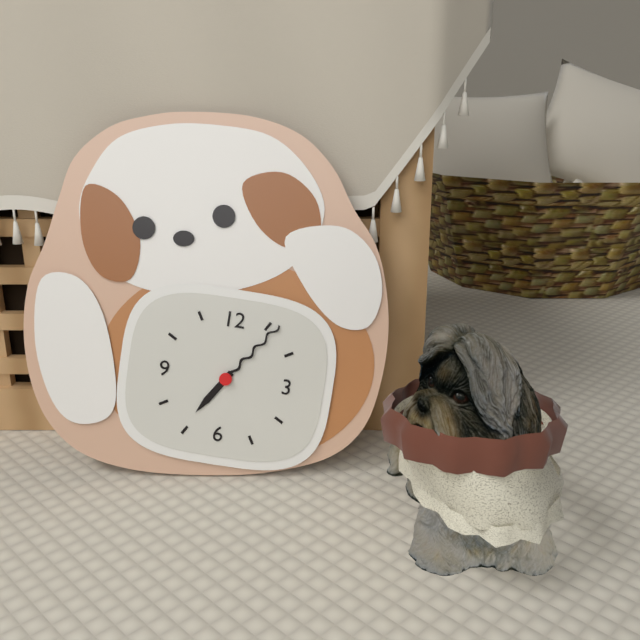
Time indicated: 7:06
